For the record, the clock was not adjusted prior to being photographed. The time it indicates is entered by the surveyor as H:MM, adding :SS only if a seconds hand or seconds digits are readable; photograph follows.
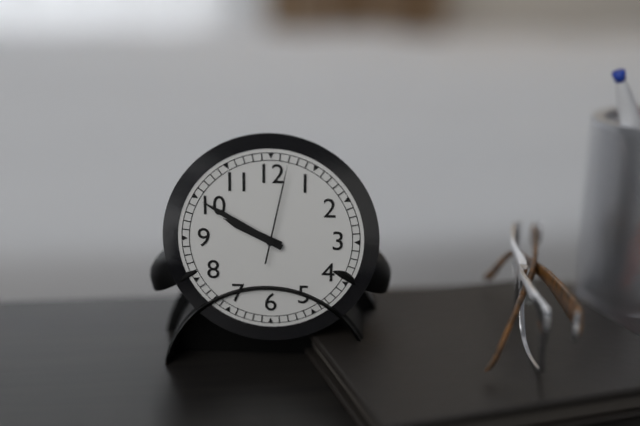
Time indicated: 9:50:02
